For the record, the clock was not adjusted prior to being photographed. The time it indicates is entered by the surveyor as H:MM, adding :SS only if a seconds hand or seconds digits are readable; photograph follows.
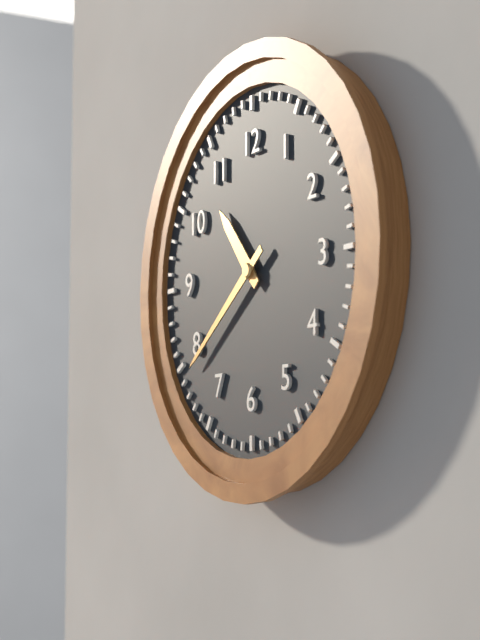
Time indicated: 10:39
